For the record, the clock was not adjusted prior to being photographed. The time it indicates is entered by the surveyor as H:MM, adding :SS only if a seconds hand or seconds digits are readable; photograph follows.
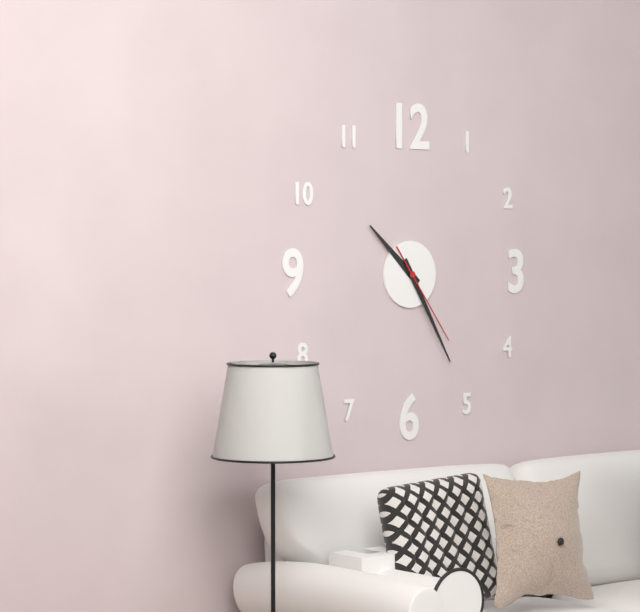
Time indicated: 10:25:24
